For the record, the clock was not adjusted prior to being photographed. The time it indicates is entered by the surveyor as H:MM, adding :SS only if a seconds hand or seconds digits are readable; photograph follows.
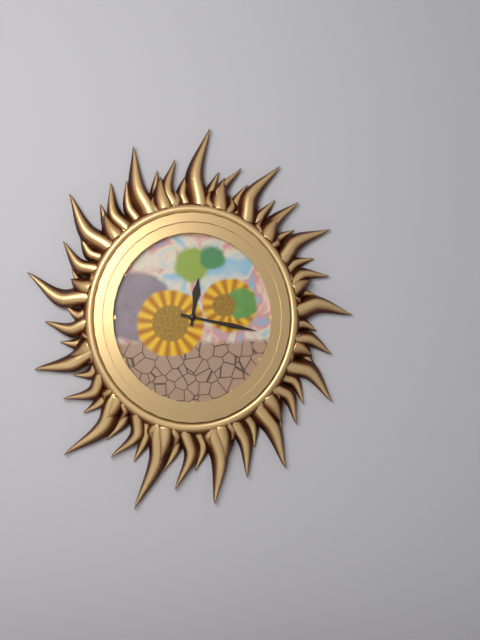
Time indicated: 12:17
